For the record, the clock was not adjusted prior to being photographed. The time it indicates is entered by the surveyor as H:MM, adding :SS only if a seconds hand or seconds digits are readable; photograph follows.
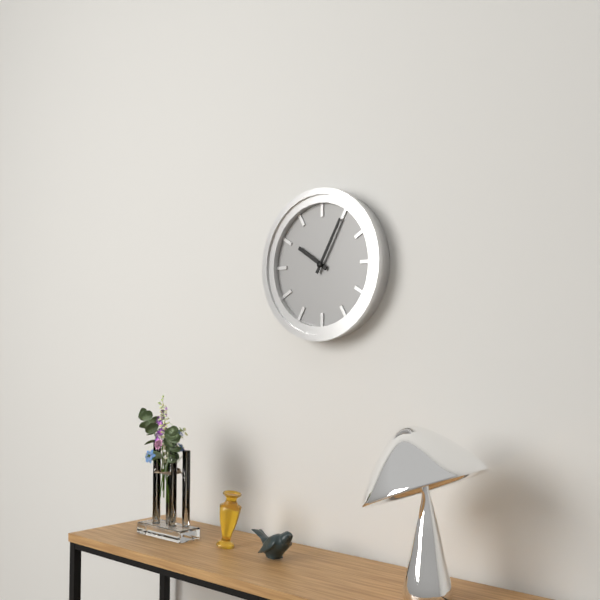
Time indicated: 10:05
